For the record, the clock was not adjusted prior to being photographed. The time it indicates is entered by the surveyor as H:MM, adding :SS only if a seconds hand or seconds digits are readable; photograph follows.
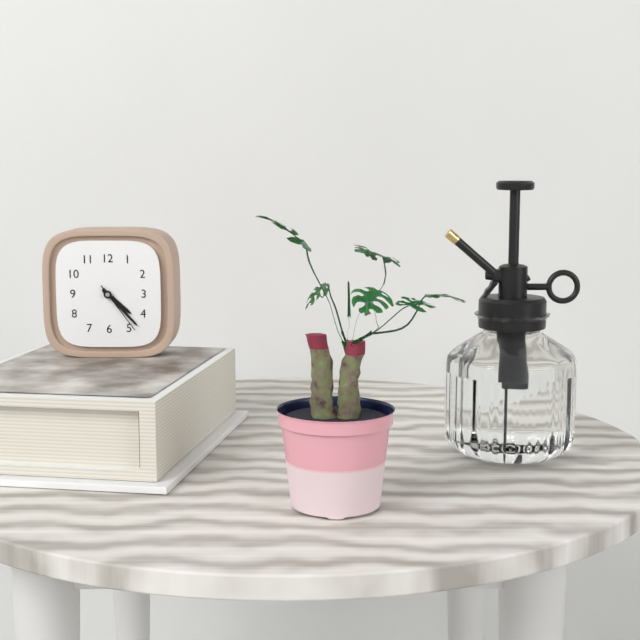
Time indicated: 4:23:24
